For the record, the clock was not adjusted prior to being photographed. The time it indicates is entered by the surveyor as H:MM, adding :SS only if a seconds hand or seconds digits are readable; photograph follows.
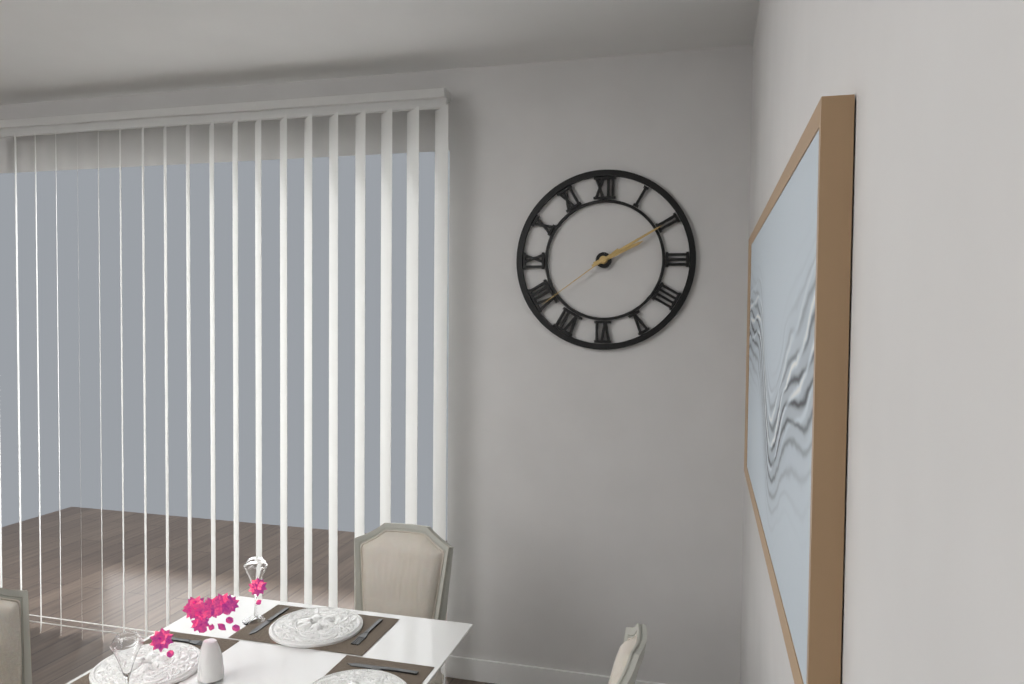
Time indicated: 2:10:39
